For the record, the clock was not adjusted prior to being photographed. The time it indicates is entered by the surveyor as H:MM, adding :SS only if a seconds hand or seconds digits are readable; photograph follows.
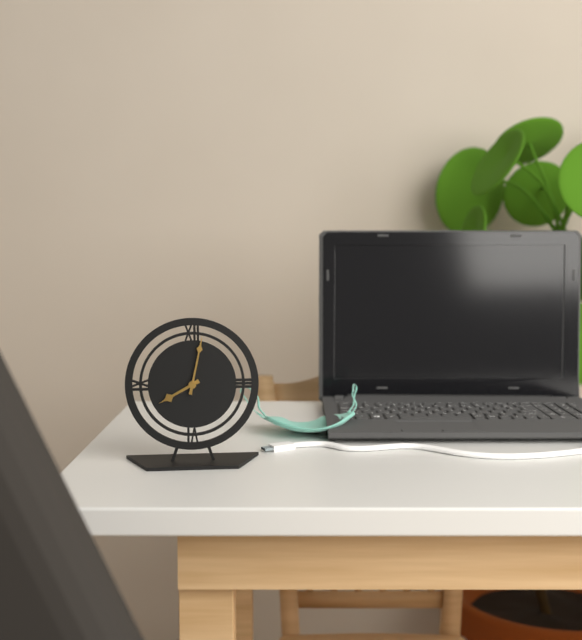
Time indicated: 8:02
